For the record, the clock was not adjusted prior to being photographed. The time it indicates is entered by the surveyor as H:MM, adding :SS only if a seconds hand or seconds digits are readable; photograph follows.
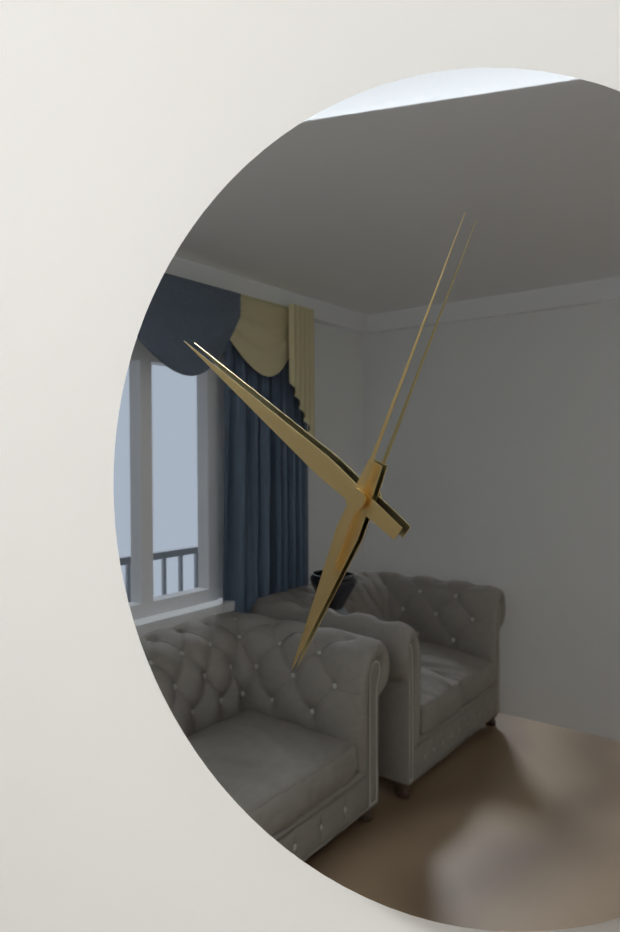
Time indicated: 6:51:04
